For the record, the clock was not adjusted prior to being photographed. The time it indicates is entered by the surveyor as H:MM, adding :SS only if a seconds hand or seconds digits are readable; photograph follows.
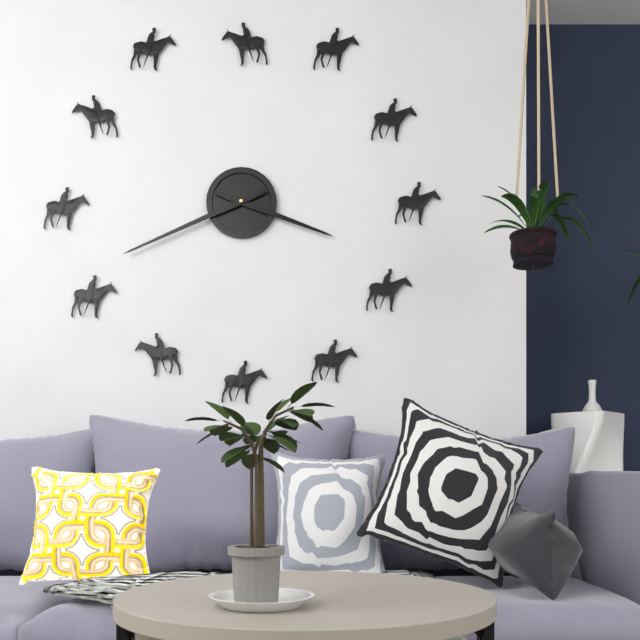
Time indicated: 3:41
